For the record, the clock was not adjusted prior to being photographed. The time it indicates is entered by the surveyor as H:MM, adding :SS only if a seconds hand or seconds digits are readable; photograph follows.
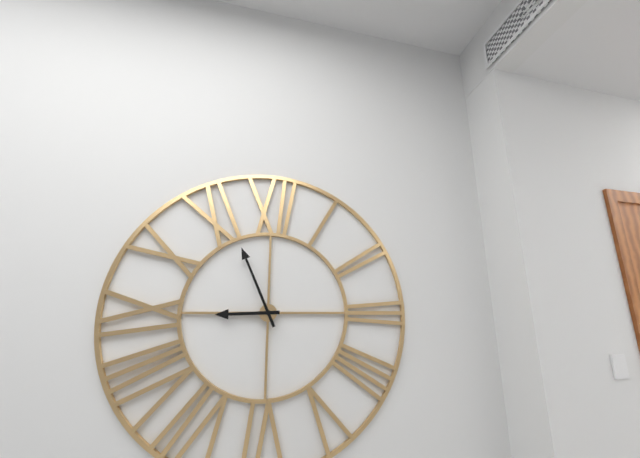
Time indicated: 8:56
